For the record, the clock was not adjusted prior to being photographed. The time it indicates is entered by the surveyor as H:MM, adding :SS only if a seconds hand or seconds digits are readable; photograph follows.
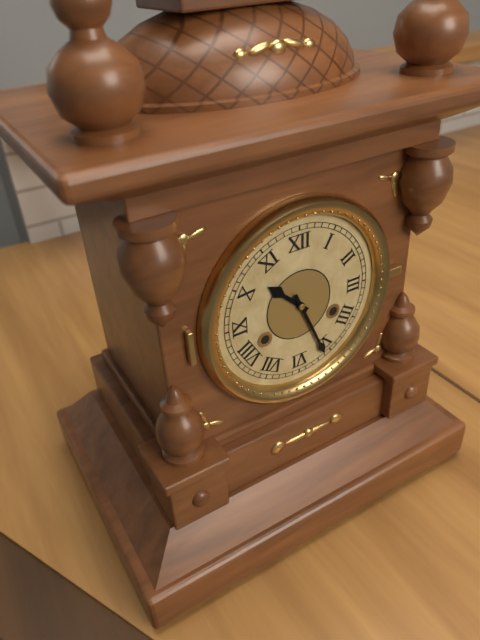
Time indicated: 10:26
